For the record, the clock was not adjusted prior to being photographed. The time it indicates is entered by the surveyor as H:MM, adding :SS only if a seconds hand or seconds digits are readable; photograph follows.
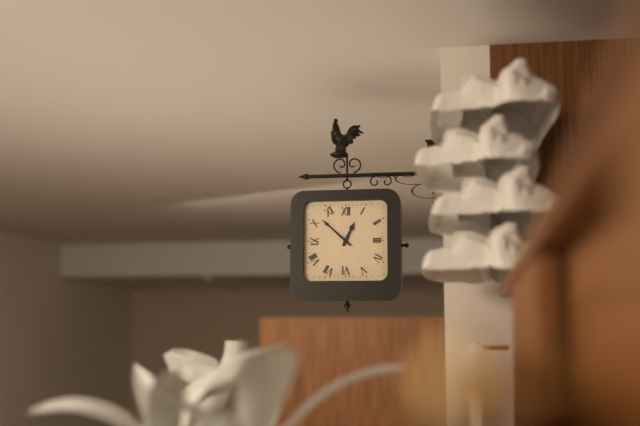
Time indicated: 12:52
